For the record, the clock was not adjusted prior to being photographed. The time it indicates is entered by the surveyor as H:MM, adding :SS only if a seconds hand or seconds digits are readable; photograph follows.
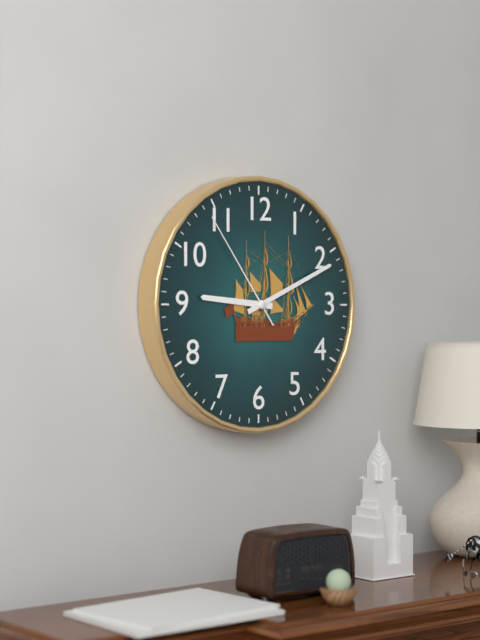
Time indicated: 9:11:54
